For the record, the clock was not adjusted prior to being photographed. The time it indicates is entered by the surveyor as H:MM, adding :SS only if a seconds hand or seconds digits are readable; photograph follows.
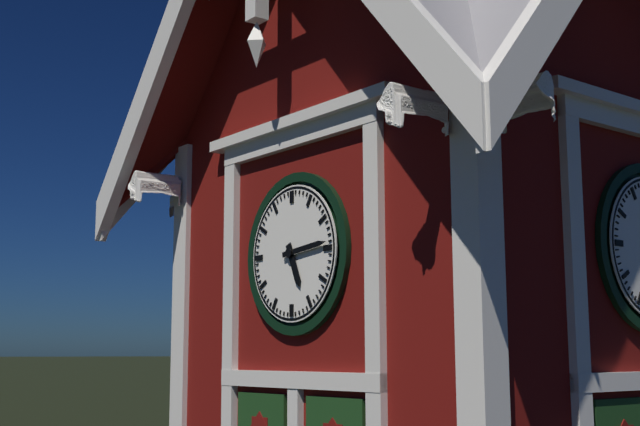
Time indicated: 5:14
